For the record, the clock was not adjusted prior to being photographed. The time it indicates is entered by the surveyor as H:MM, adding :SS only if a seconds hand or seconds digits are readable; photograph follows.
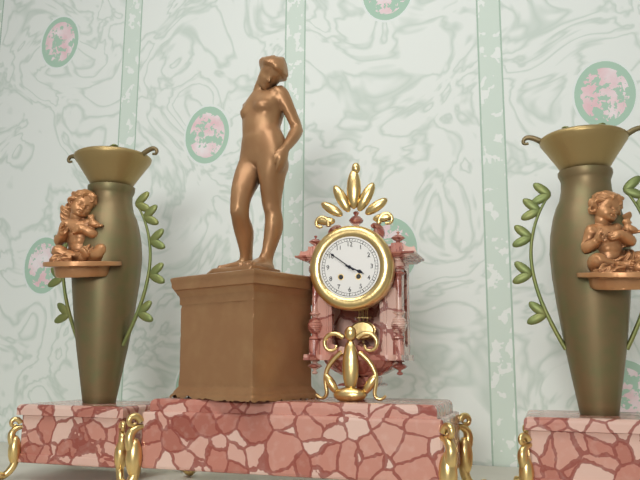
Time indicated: 3:51
